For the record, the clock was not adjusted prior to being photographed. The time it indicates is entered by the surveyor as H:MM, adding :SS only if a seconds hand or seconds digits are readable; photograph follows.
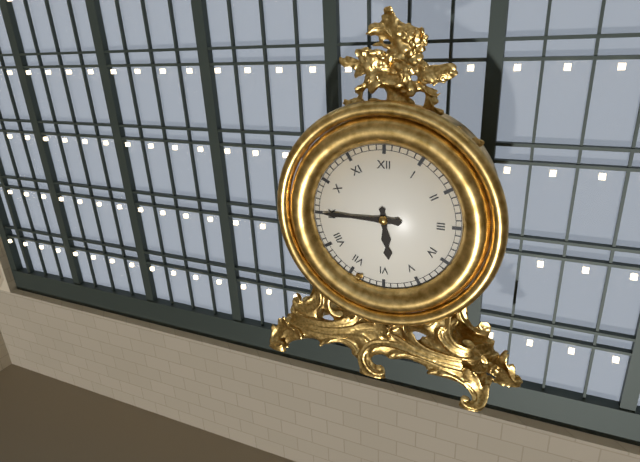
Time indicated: 5:45
